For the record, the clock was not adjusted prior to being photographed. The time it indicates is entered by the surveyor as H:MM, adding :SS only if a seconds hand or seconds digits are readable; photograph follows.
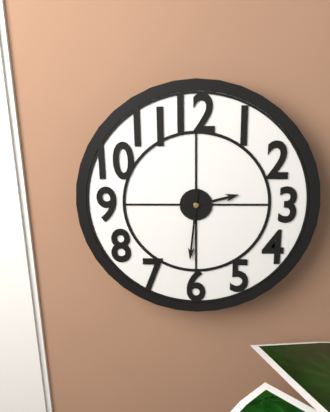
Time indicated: 2:31
